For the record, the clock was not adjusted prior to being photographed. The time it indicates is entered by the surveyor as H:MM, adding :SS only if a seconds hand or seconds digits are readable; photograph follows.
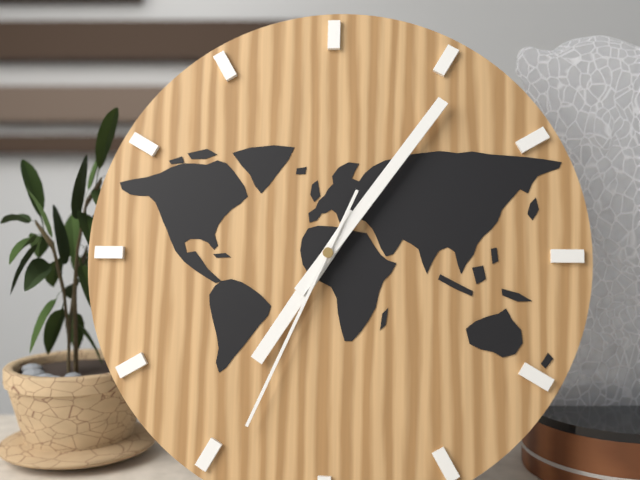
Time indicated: 7:06:34
